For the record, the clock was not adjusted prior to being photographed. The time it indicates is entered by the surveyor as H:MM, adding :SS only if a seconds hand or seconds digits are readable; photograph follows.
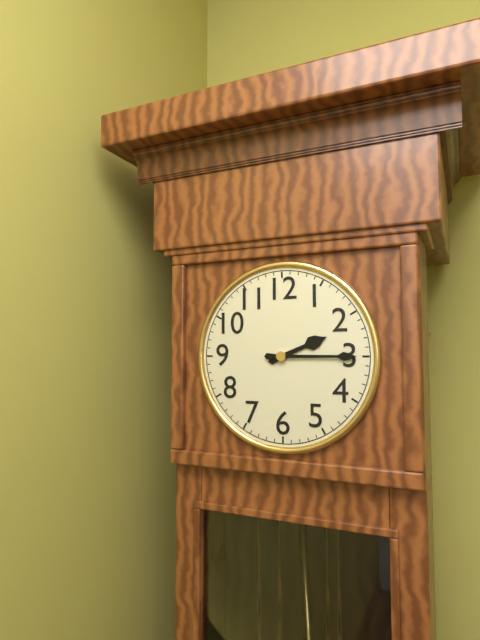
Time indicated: 2:15
